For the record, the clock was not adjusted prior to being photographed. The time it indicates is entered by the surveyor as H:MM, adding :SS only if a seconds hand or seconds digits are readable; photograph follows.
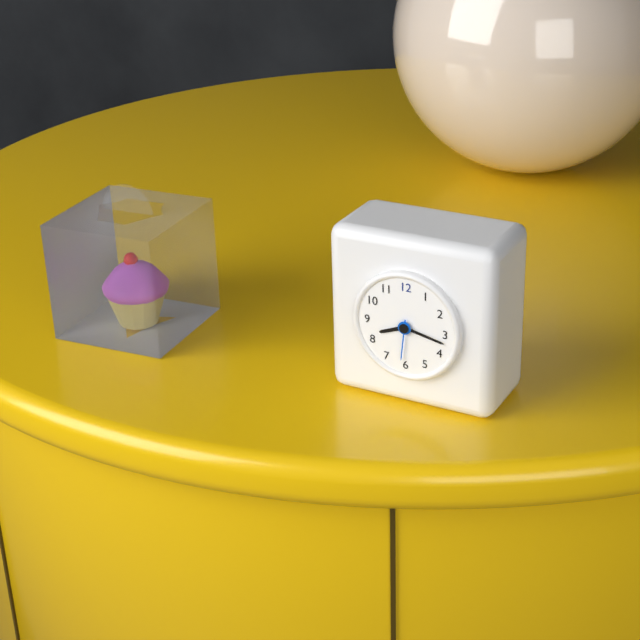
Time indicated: 8:17
